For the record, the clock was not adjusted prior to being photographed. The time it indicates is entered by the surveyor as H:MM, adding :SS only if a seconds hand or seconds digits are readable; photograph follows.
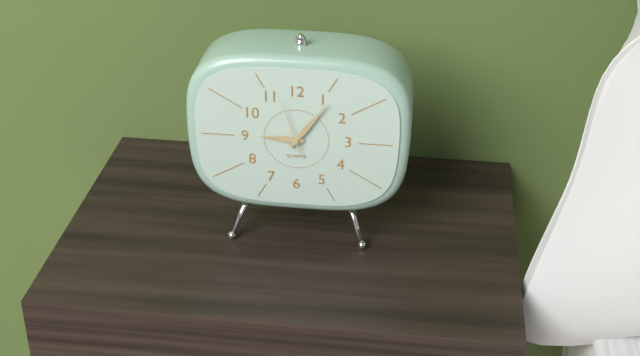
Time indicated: 9:06:57
